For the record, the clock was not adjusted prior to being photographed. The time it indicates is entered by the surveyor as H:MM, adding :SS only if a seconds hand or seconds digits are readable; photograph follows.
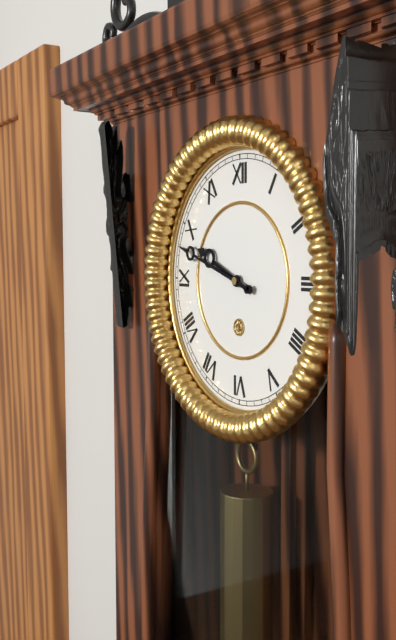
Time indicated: 9:48
